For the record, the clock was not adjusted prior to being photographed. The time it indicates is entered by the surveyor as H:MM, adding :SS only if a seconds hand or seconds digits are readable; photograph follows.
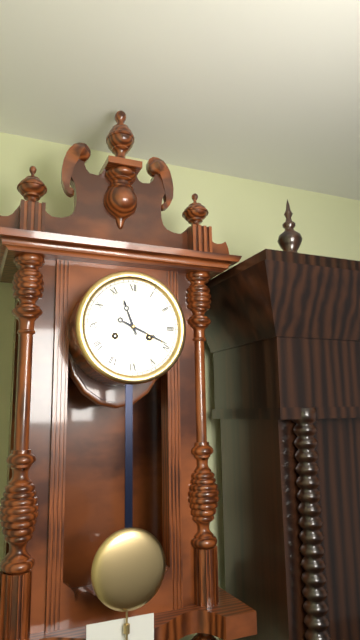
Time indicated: 11:19
